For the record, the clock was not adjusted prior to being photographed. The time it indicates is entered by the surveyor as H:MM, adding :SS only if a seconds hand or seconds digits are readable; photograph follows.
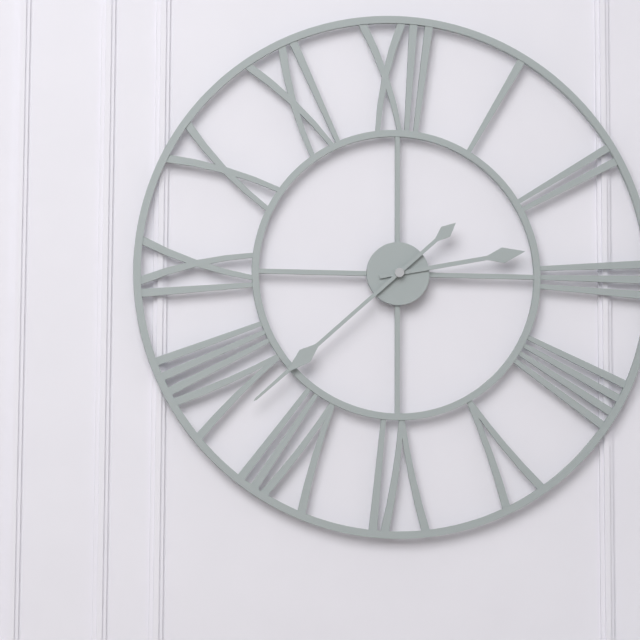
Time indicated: 2:38
